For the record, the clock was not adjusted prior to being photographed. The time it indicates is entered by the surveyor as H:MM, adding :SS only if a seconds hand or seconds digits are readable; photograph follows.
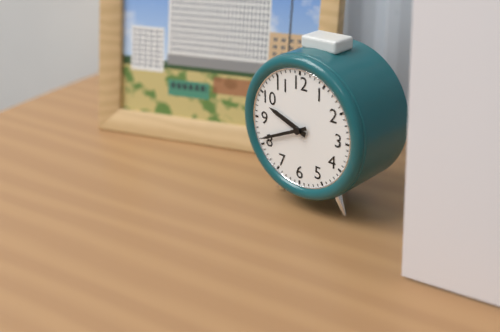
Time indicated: 9:41
